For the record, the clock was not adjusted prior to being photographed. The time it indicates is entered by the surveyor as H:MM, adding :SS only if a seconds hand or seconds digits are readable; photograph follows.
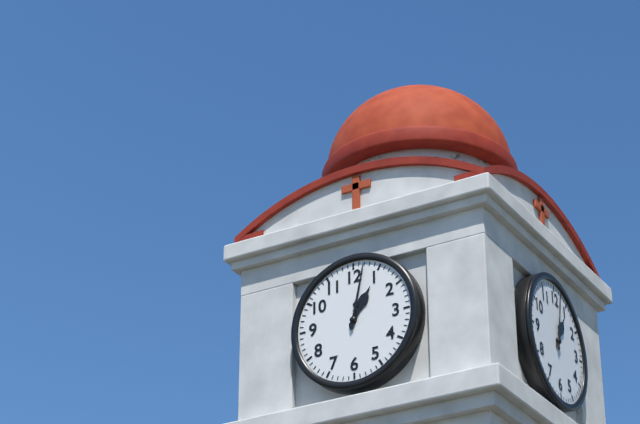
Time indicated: 1:02
